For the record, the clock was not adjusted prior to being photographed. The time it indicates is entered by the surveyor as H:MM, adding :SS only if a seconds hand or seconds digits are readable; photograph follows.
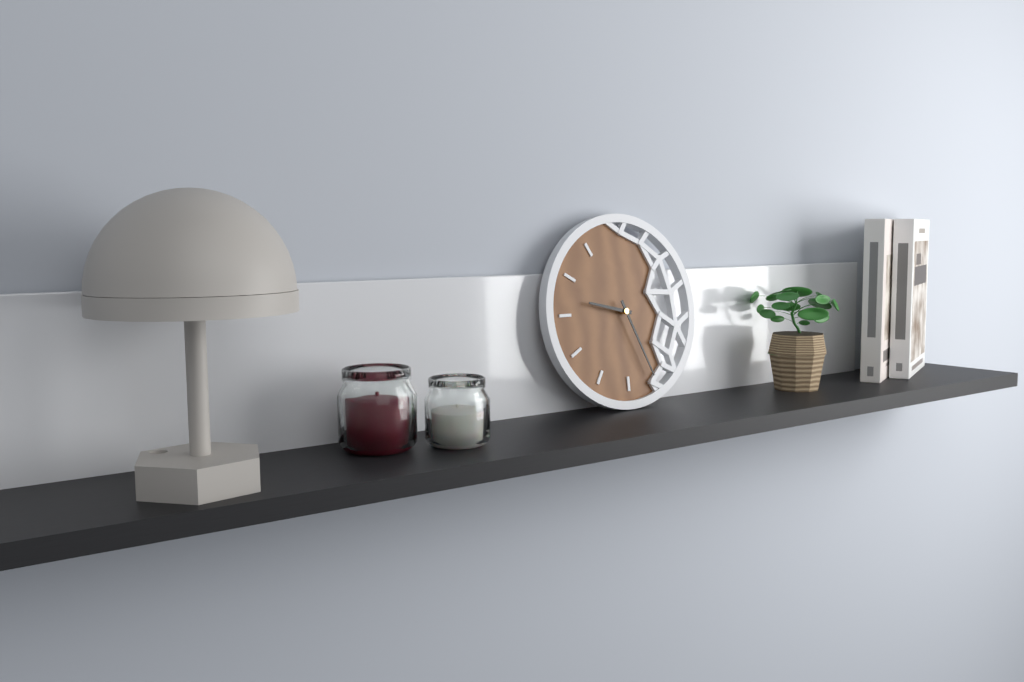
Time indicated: 9:26
